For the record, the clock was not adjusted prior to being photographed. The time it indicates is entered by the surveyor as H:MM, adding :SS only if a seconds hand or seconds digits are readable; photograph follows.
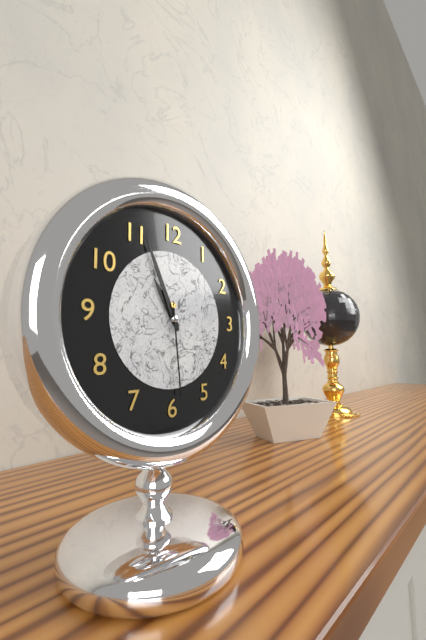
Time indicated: 10:56:29
